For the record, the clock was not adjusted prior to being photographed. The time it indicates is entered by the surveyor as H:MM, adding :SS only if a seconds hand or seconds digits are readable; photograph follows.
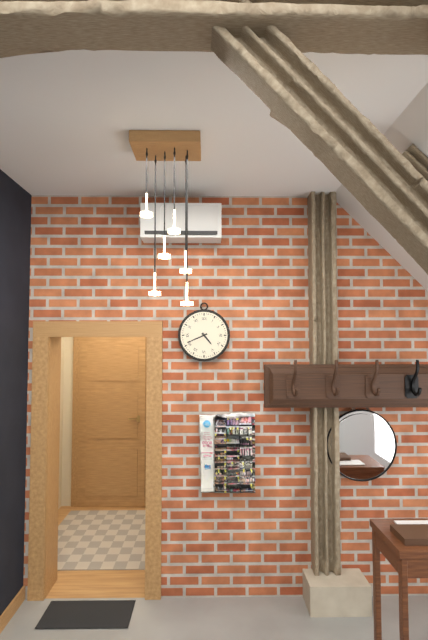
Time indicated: 4:41
